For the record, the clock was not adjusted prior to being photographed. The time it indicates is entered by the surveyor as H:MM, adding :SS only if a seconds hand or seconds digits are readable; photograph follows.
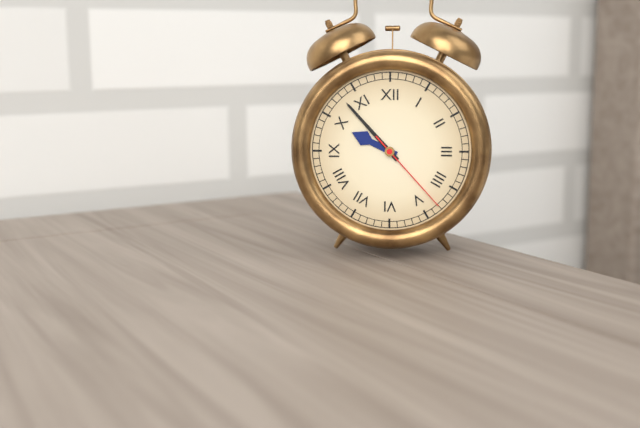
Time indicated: 9:53:23
